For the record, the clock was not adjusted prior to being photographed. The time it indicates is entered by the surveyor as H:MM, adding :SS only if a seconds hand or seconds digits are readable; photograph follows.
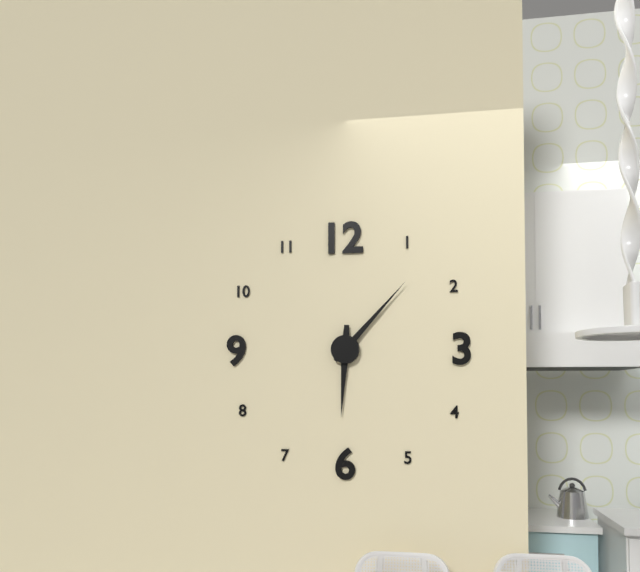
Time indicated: 6:07
